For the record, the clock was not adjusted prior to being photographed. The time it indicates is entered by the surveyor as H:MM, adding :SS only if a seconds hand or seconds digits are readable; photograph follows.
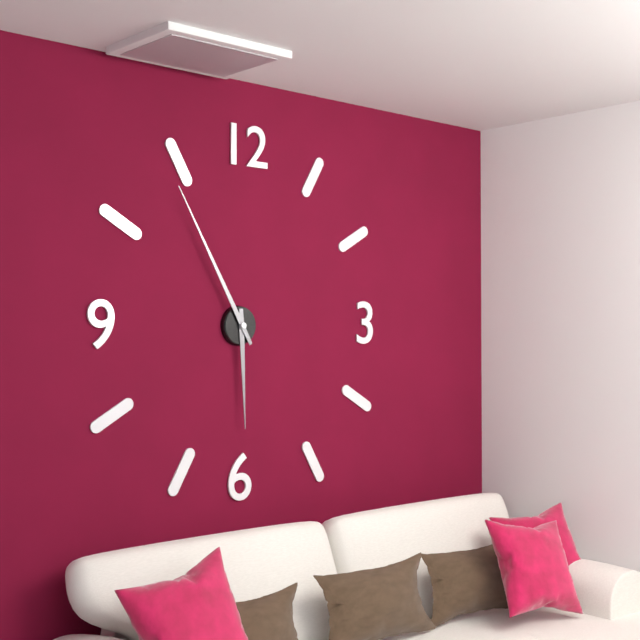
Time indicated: 5:55
